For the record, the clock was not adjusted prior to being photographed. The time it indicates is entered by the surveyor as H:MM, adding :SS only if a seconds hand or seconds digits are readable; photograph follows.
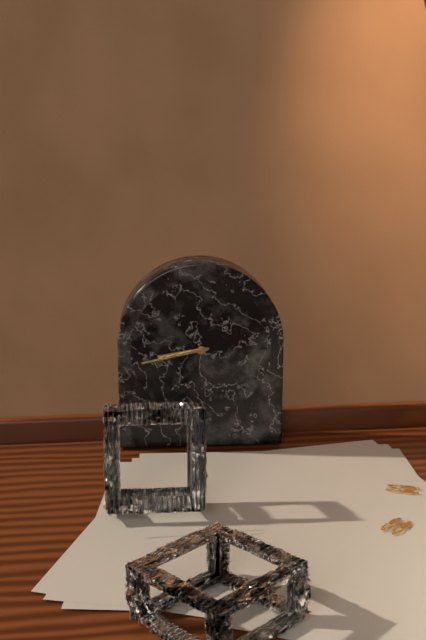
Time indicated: 8:43
